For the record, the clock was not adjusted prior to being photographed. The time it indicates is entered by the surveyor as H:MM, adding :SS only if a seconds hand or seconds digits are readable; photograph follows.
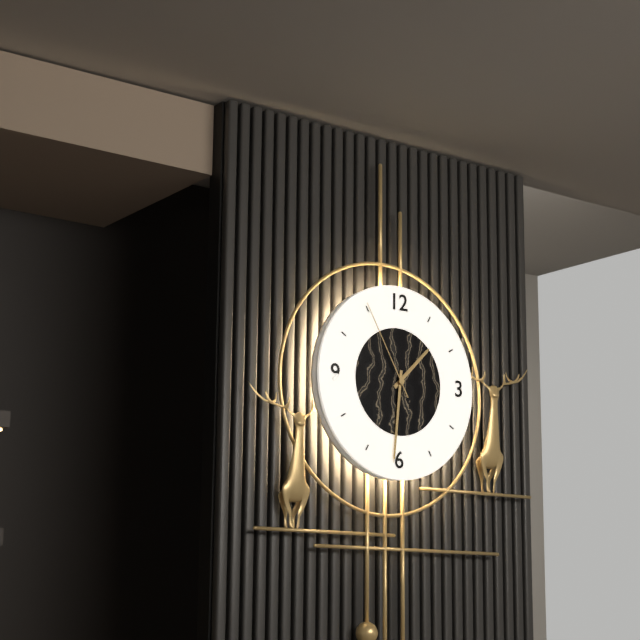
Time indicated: 1:31:55
